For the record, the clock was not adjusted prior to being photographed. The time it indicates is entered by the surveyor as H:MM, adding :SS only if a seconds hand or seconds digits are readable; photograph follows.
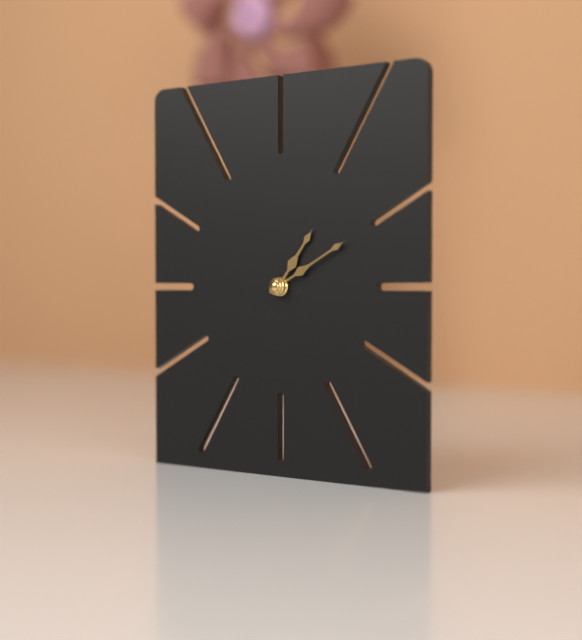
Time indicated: 1:10
